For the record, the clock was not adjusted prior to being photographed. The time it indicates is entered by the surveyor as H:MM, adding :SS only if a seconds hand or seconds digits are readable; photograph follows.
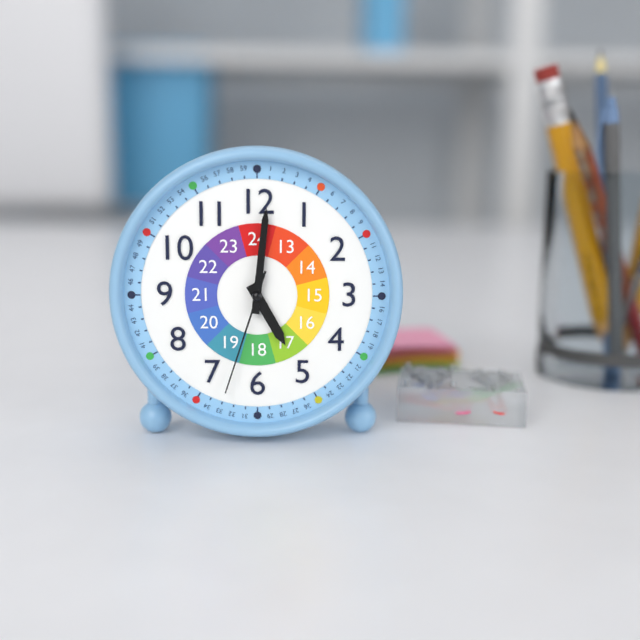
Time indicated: 5:01:33
